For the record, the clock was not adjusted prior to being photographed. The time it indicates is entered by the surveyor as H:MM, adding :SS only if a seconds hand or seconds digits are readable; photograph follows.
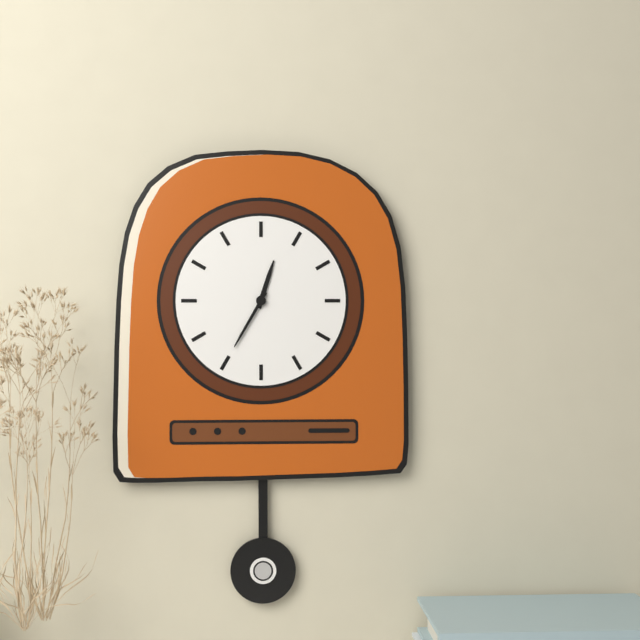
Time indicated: 12:35
